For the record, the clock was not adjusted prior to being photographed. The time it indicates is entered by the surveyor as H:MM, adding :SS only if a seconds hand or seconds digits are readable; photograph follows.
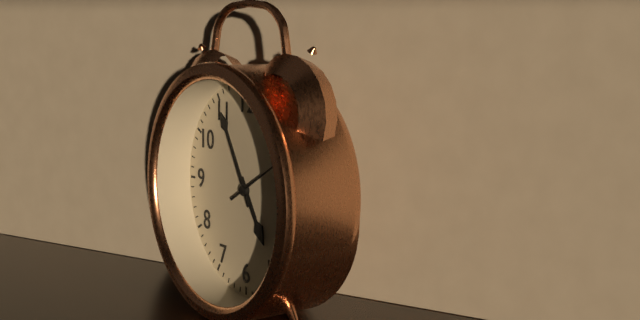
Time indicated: 4:55
